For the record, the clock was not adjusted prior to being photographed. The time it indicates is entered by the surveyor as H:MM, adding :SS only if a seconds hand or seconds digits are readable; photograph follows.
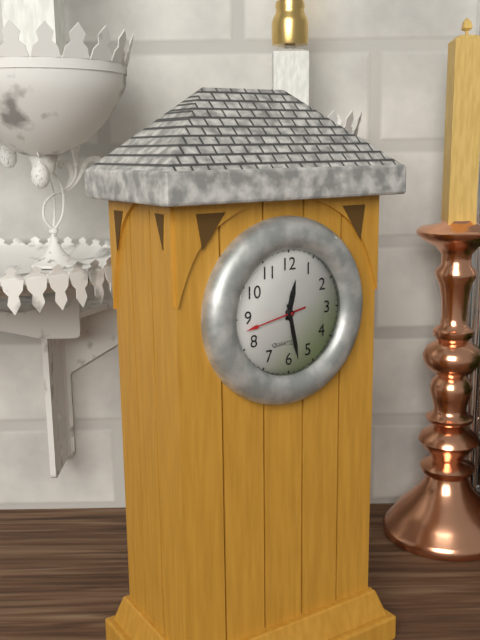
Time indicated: 12:28:43
